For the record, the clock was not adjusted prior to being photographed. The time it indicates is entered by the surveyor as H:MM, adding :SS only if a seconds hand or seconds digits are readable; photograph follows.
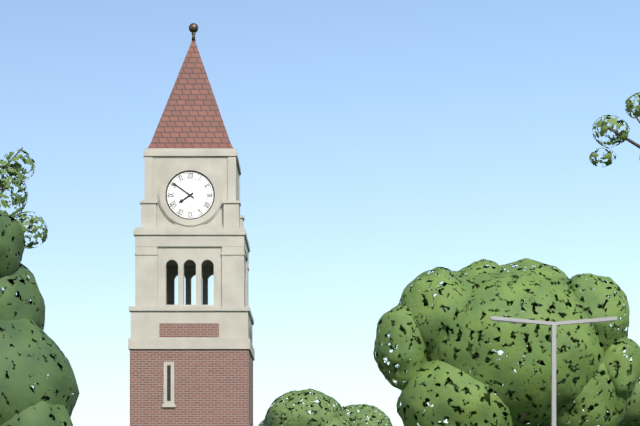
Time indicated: 7:51
